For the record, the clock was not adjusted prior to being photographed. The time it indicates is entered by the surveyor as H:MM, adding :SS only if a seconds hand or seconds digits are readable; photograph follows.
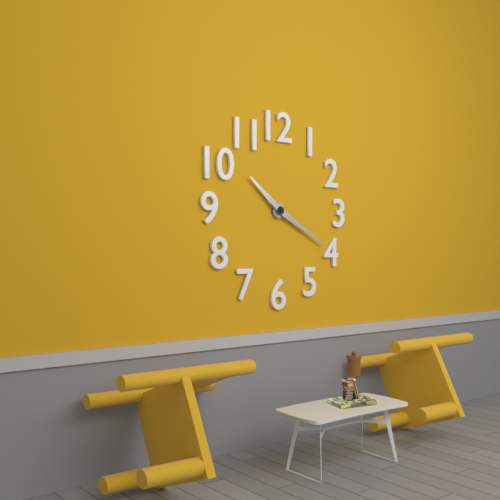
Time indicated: 10:20
